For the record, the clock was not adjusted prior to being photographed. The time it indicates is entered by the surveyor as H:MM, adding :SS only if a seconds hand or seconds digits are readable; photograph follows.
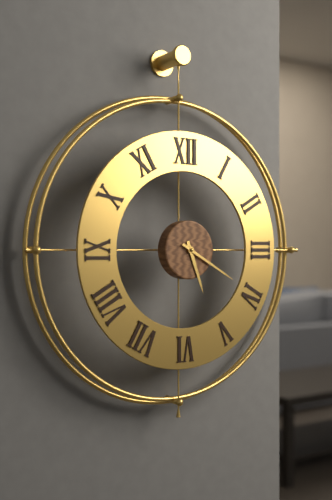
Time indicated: 5:20
